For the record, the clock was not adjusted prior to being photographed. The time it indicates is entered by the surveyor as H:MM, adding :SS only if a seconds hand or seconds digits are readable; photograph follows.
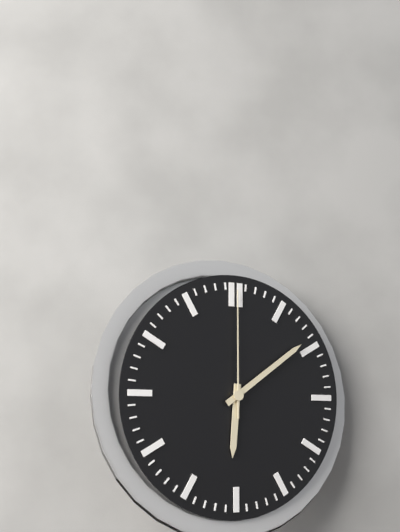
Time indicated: 6:09:00
